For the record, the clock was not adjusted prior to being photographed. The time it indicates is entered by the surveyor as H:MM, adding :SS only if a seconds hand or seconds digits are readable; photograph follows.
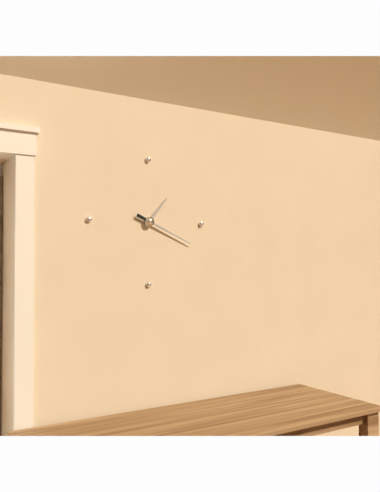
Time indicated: 1:19
